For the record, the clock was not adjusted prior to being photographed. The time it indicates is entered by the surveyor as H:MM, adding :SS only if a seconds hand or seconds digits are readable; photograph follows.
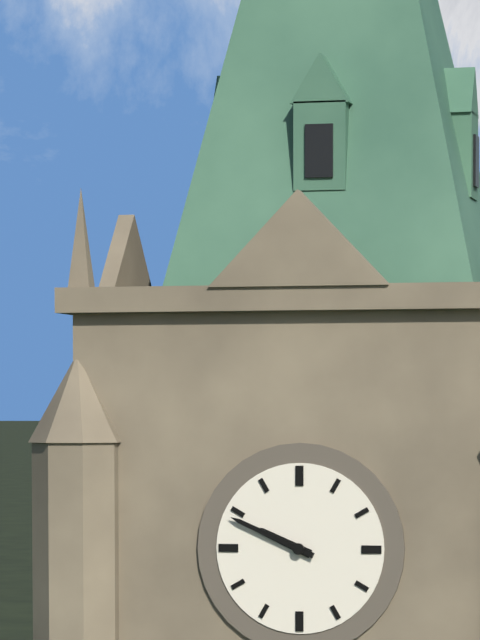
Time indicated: 9:49
